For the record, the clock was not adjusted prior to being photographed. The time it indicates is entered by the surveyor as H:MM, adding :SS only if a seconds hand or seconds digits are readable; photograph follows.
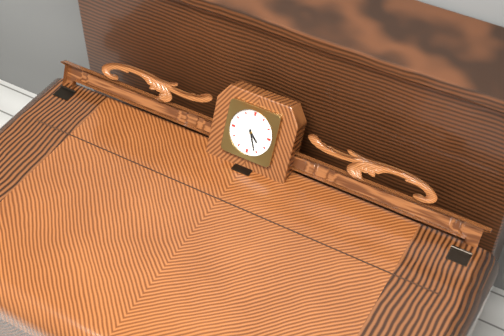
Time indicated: 4:26
